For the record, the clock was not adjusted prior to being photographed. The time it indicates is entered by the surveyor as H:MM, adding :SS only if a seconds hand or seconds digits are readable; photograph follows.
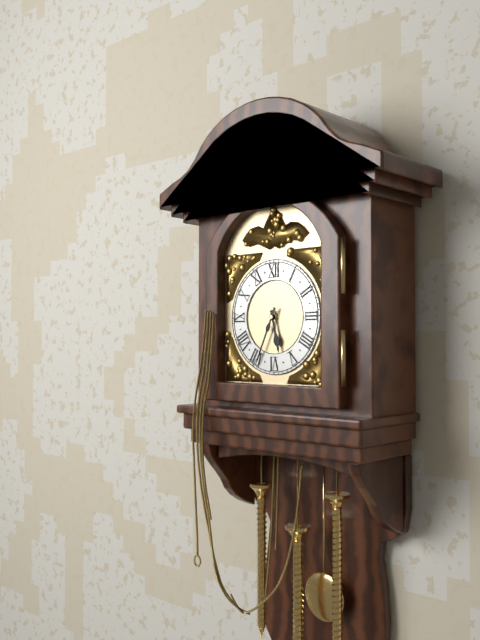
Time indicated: 5:34
